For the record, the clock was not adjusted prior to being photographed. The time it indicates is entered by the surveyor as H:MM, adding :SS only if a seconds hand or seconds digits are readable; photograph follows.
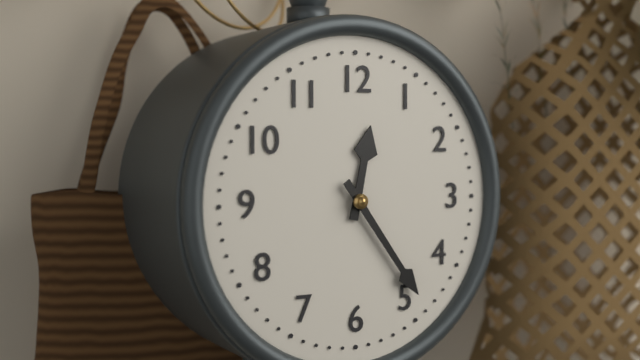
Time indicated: 12:24
